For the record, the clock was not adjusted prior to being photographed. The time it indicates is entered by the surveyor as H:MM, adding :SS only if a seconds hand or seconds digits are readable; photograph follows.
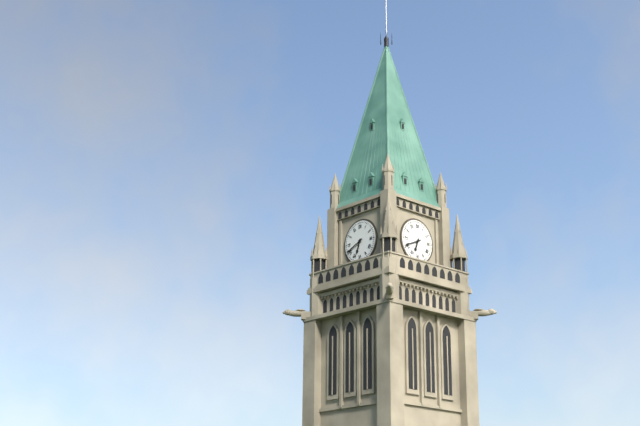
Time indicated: 6:41
